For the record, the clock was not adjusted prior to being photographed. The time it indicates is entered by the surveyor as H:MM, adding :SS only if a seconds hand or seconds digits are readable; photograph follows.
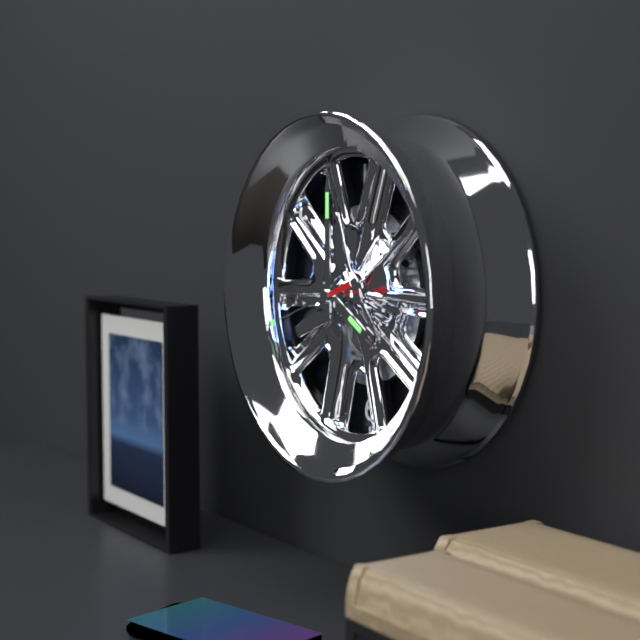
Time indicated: 4:00:42
